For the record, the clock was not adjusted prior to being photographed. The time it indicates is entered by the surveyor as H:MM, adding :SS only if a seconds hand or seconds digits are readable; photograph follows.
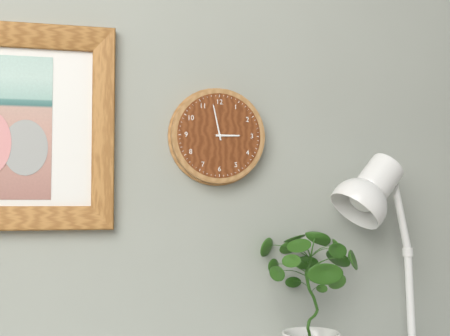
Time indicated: 2:58
